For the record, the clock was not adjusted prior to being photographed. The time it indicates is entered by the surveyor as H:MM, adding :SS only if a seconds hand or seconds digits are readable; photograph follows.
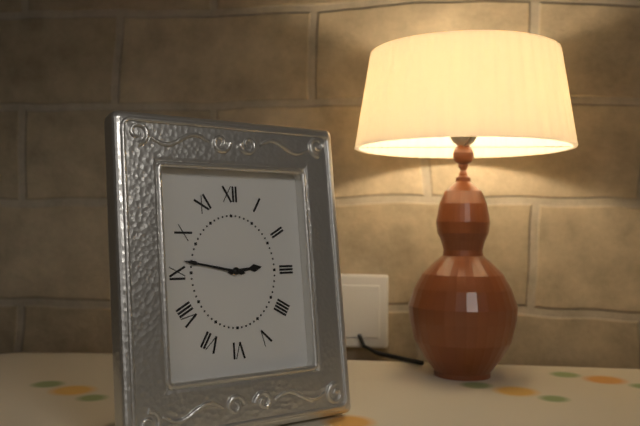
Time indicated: 2:47
